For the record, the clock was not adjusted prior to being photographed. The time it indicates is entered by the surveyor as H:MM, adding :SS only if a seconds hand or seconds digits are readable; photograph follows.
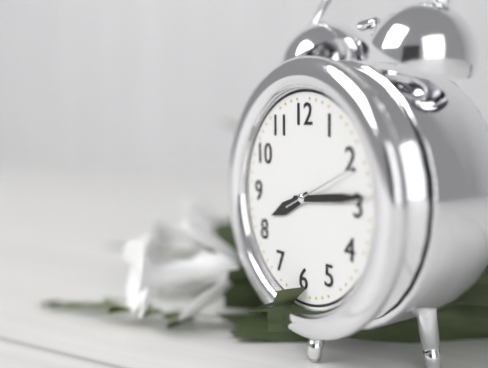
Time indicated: 8:14:11
